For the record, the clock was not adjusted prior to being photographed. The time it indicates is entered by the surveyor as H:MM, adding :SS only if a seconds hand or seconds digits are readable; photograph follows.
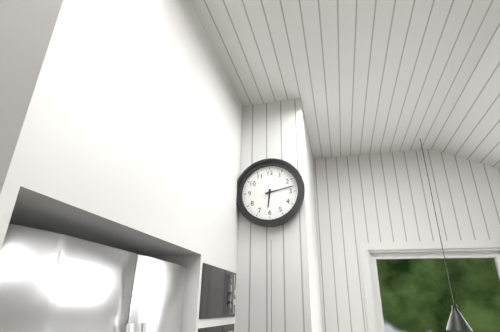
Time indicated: 6:13
